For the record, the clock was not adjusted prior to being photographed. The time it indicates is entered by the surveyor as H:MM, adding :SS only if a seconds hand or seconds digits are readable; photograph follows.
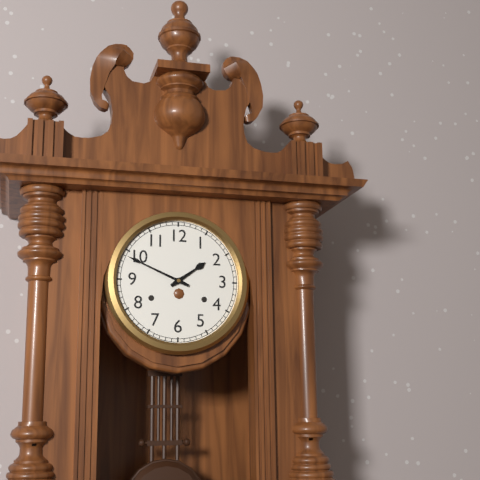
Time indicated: 1:49
